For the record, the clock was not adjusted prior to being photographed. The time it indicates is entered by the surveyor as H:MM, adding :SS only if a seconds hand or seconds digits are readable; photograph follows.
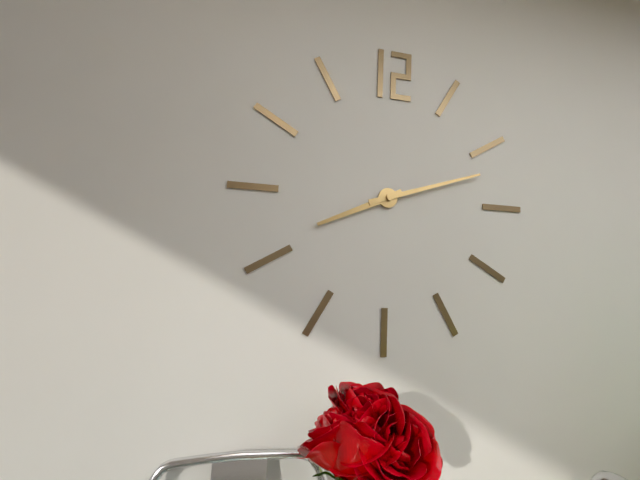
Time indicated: 8:12
